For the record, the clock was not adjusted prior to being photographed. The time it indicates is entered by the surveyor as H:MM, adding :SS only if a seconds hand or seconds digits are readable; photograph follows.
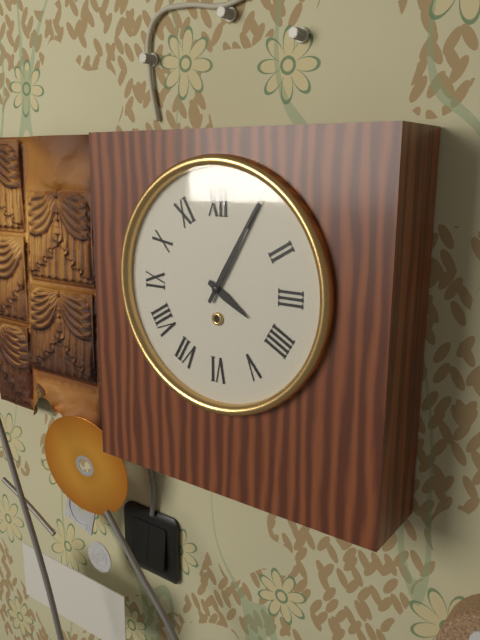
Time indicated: 4:05
